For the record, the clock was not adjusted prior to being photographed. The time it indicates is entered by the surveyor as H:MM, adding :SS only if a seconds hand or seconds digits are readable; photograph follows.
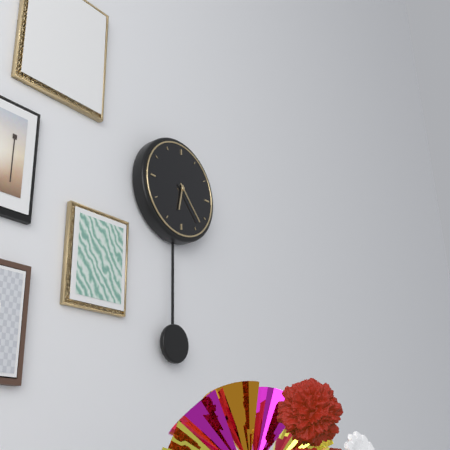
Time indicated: 6:23
